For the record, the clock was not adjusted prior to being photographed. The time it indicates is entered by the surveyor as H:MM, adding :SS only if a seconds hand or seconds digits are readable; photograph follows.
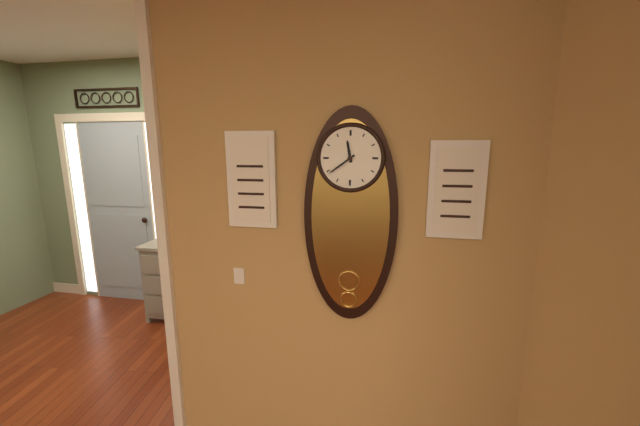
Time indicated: 11:39
